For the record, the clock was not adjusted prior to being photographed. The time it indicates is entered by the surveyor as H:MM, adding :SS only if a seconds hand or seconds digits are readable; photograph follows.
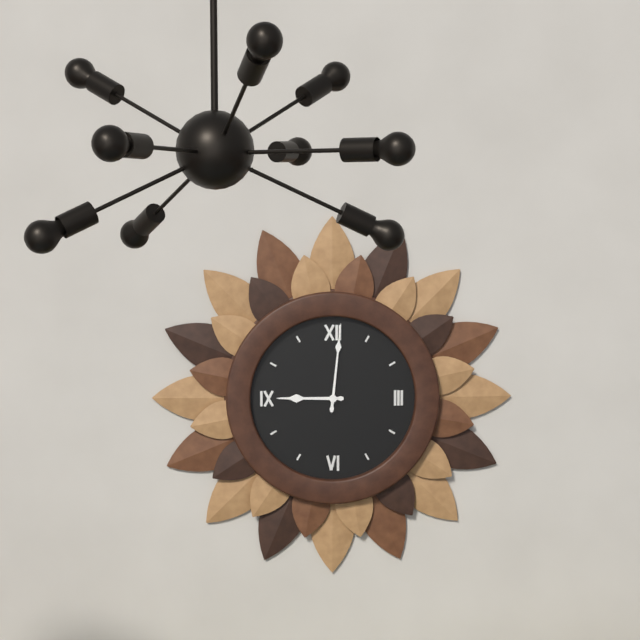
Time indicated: 9:01
